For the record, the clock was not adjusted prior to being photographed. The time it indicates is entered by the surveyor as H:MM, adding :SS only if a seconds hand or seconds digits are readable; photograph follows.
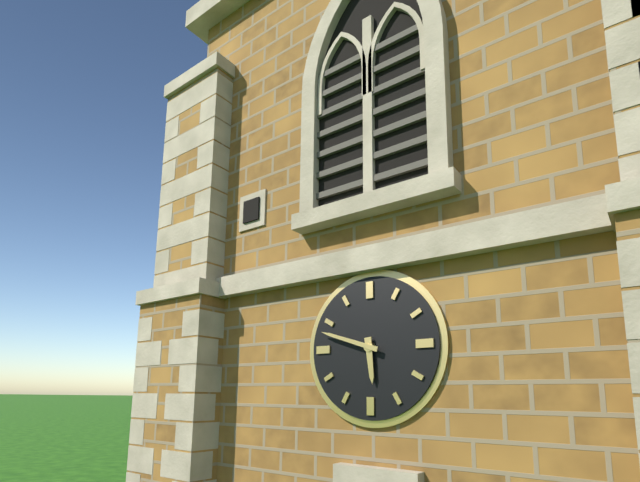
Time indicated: 5:48
